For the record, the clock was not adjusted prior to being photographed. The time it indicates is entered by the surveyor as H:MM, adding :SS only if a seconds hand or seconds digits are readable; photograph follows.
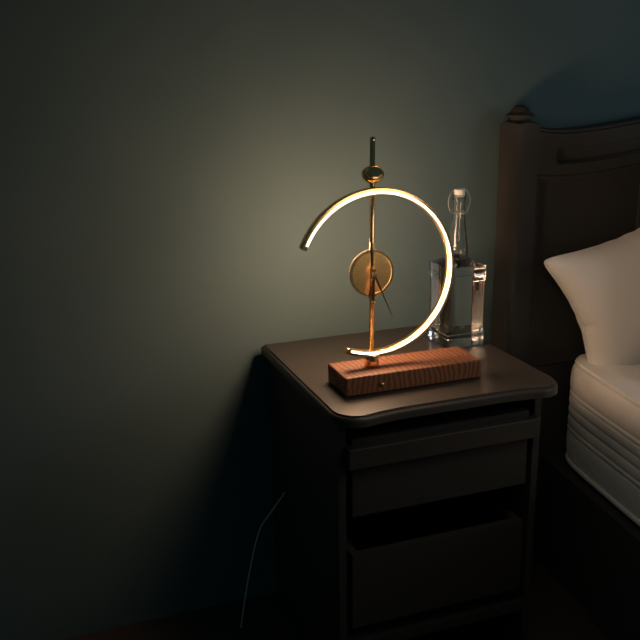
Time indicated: 6:26
